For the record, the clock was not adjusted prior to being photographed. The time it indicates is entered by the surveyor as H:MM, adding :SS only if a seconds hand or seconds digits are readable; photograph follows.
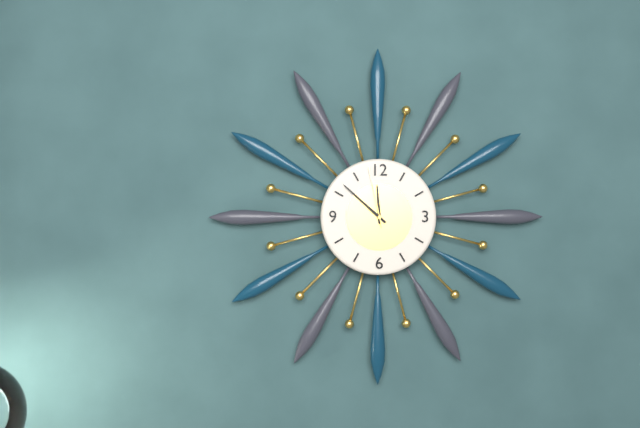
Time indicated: 11:52:58
